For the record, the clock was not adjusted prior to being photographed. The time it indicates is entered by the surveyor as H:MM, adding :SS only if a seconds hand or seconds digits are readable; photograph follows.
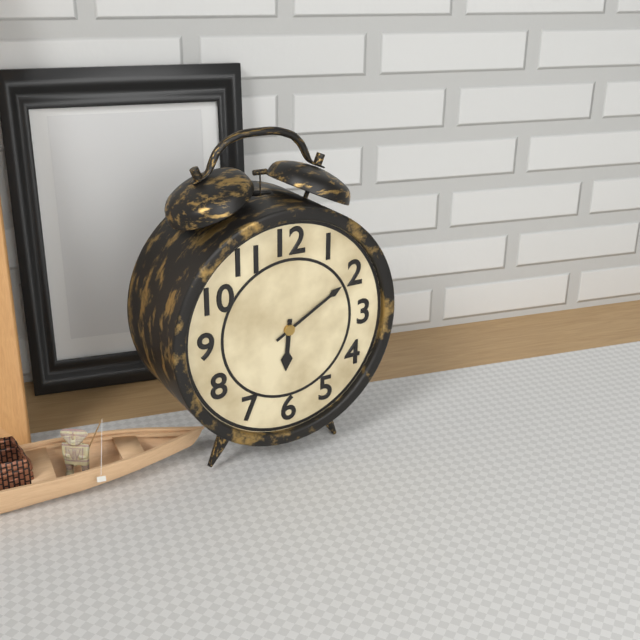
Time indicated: 6:10
